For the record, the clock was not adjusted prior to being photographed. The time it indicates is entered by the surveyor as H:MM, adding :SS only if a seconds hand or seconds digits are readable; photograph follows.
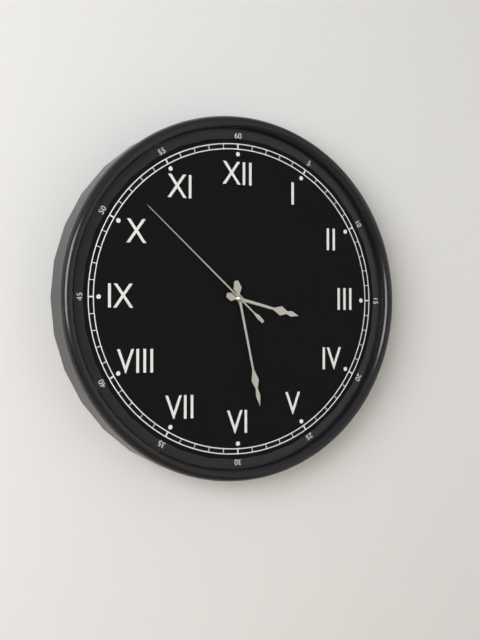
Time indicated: 3:28:52
